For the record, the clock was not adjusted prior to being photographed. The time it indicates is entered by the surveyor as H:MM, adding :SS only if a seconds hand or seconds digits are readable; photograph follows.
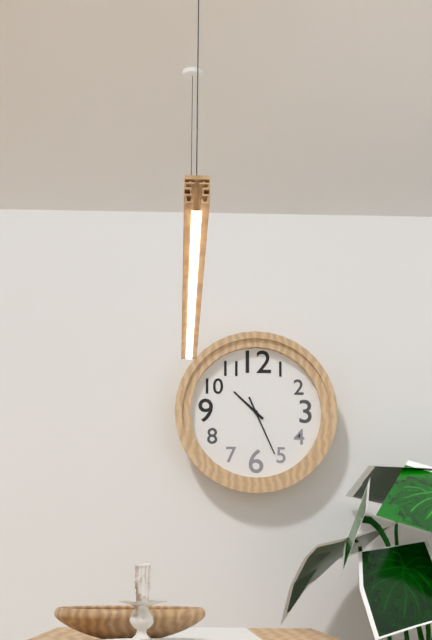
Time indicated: 10:26
